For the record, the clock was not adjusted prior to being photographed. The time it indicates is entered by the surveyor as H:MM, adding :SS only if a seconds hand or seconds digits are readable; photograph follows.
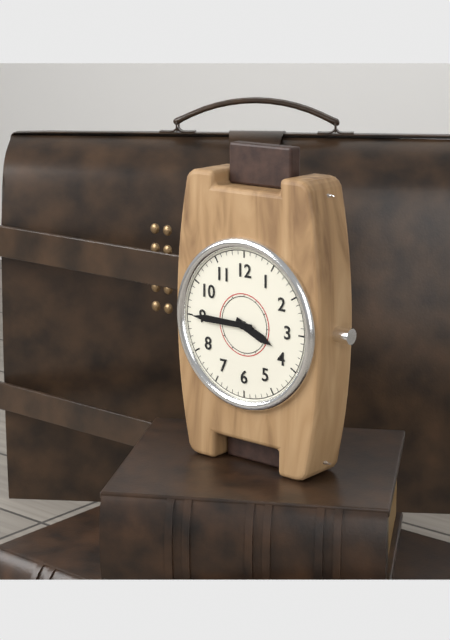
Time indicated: 3:45
